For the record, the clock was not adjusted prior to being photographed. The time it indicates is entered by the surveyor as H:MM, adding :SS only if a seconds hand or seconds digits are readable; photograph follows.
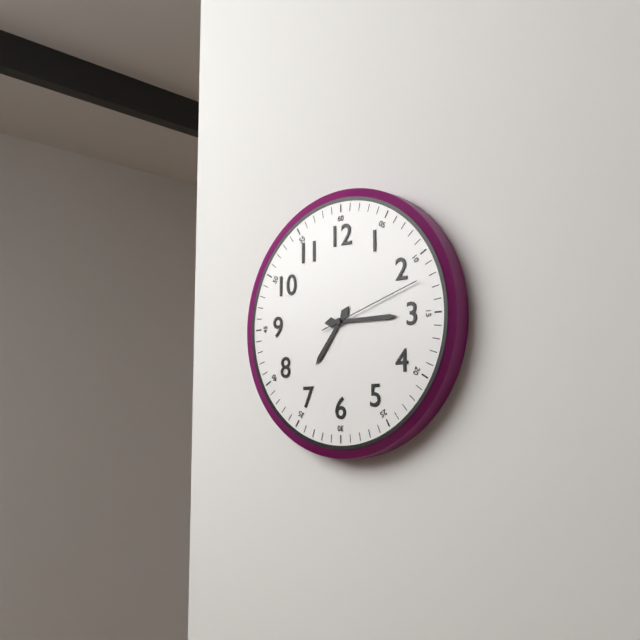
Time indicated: 7:15:12
